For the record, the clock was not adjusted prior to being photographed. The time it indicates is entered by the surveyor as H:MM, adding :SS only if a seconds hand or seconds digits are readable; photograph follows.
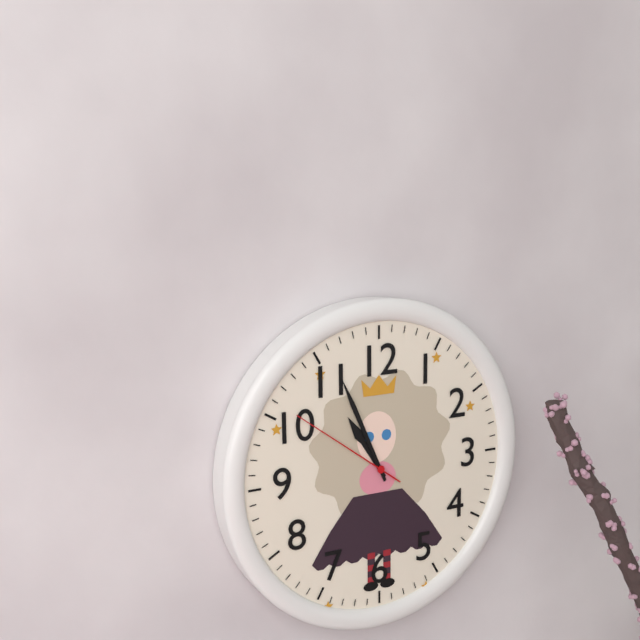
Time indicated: 10:56:51
